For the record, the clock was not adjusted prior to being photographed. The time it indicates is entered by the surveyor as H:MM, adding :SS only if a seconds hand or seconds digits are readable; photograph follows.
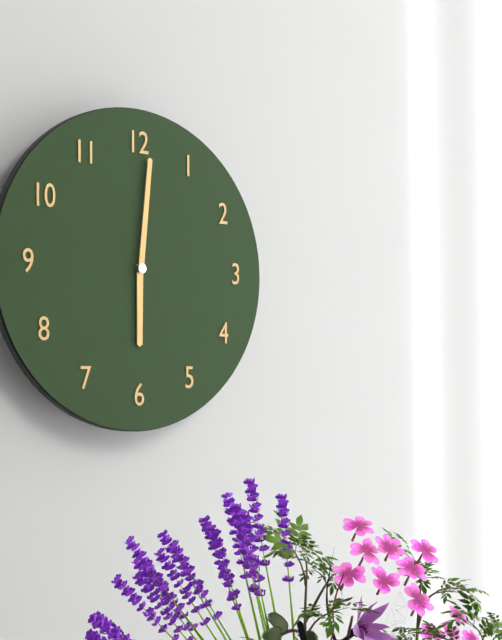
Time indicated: 6:01
